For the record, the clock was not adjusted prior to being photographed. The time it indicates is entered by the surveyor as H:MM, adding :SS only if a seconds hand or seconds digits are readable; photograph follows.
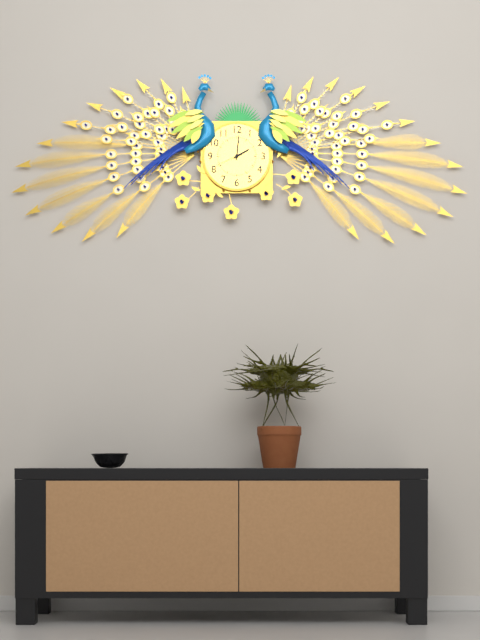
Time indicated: 2:01
